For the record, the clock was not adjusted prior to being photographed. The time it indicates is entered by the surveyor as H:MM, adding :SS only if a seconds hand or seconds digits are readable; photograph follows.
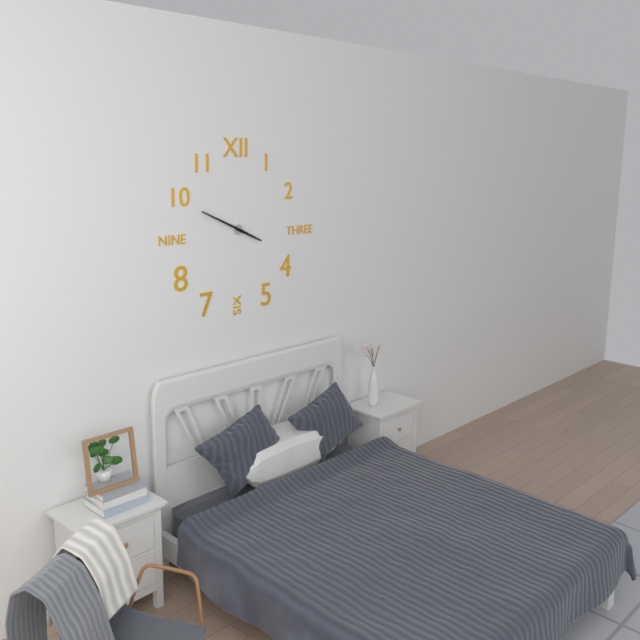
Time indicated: 3:49
